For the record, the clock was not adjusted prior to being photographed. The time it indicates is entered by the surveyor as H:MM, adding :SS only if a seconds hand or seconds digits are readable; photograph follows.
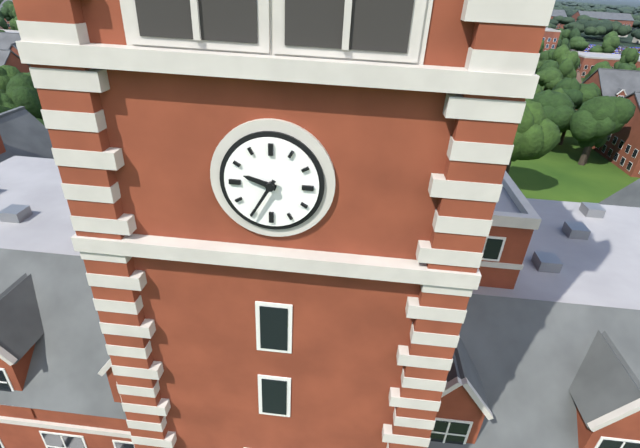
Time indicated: 9:35
